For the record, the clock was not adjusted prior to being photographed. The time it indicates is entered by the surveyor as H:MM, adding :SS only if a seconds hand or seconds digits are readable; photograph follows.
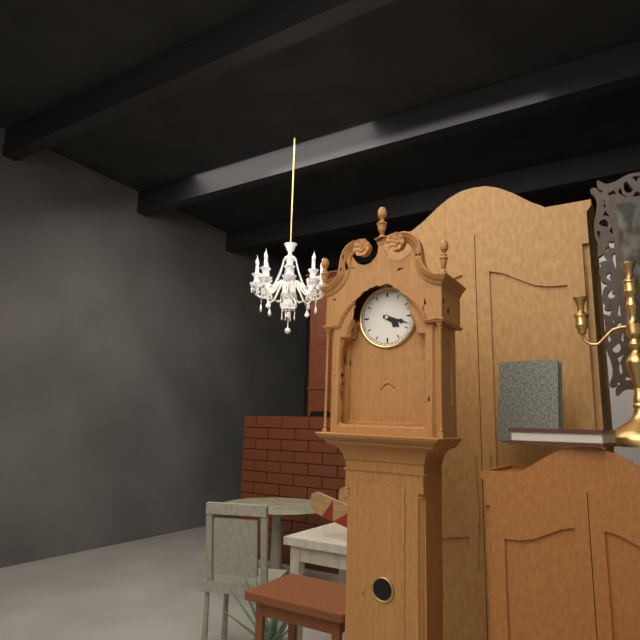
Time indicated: 4:18
